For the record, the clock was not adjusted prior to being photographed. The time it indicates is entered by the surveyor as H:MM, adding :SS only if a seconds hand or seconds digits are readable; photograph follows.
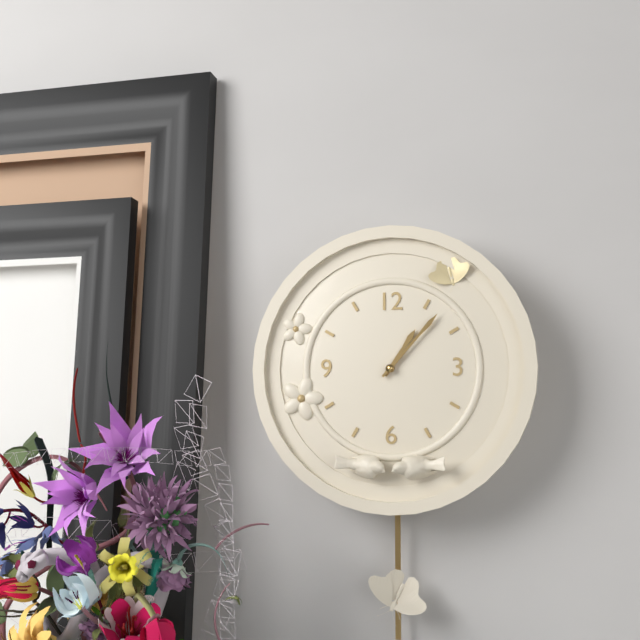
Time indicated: 1:07
